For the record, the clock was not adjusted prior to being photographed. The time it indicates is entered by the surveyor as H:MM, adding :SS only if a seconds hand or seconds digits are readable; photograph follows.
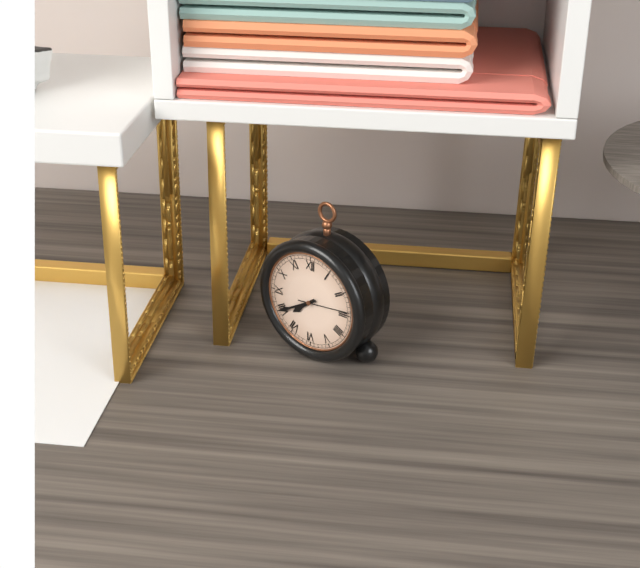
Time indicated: 7:40:14
